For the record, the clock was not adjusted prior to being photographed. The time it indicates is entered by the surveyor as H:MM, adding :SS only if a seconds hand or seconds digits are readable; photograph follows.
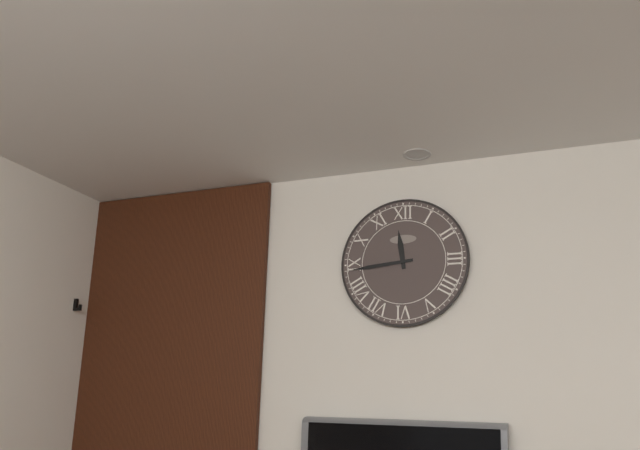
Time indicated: 11:44
